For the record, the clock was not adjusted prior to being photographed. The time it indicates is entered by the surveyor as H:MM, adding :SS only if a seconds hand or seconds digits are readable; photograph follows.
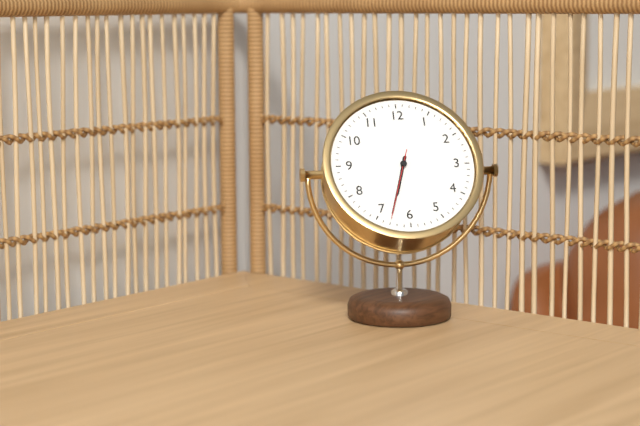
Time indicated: 6:33:33
